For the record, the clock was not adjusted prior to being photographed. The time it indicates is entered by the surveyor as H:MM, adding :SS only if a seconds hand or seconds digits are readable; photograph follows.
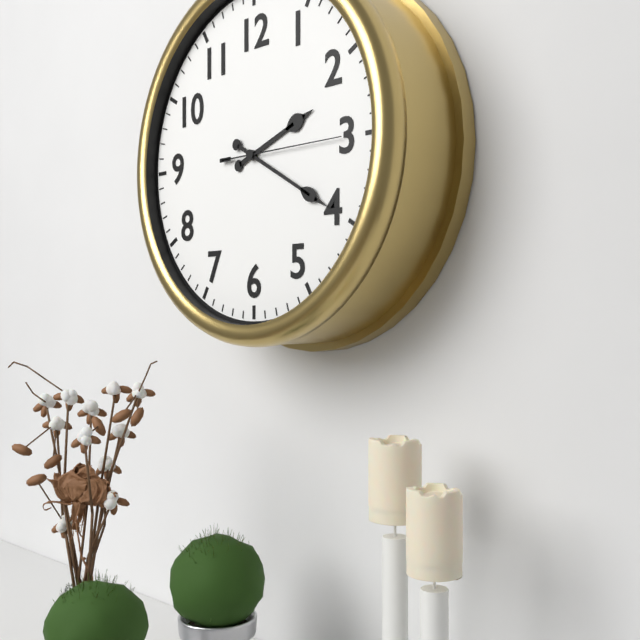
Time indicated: 2:20:15
